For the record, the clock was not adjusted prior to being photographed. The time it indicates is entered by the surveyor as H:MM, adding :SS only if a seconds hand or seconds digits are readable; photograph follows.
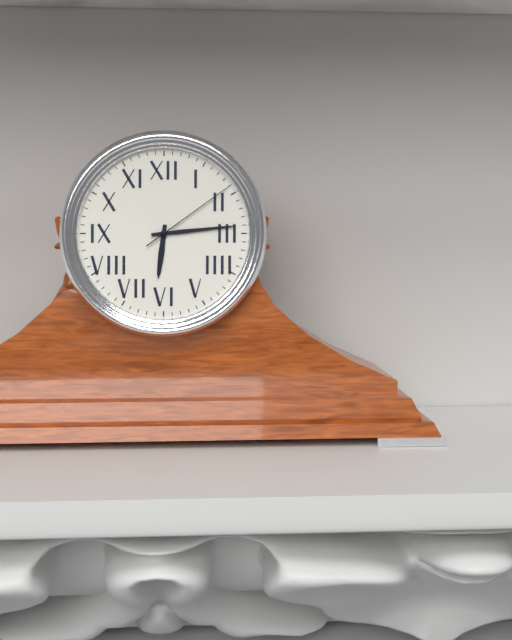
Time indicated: 6:14:09
